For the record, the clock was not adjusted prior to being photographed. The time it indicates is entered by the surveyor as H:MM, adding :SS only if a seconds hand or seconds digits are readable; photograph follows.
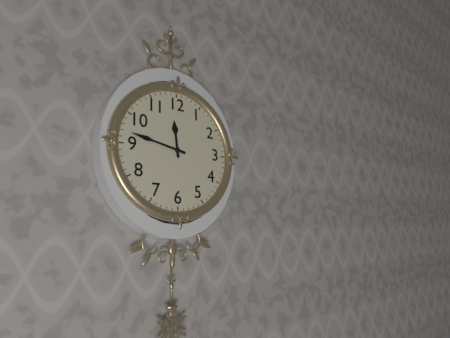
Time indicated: 11:47
